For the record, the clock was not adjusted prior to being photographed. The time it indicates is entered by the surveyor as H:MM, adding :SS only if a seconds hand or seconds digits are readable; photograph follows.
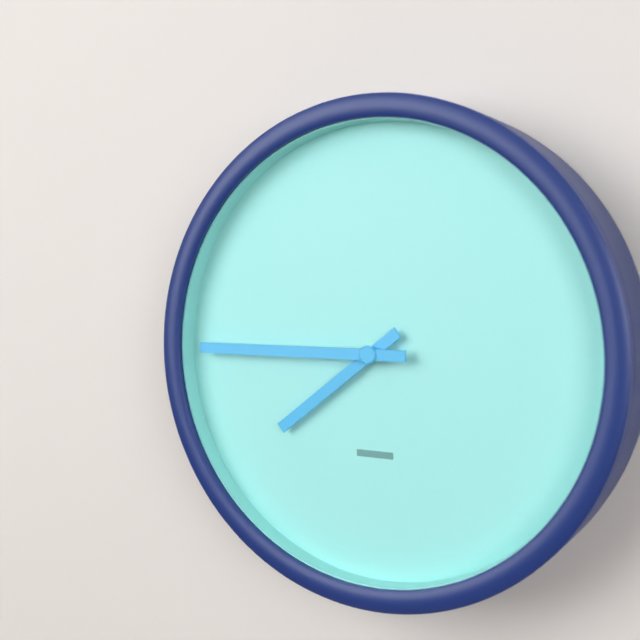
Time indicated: 7:45
